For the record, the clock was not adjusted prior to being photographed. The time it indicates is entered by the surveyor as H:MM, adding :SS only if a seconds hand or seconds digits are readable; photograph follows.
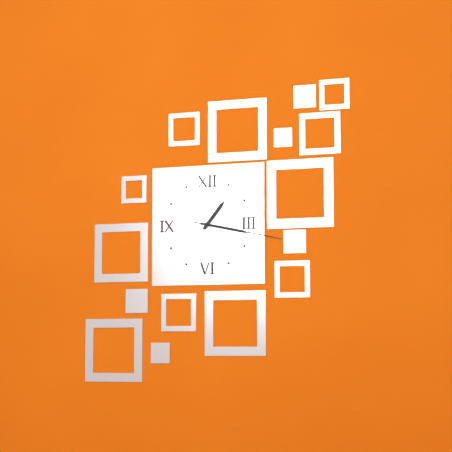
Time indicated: 1:17:17
